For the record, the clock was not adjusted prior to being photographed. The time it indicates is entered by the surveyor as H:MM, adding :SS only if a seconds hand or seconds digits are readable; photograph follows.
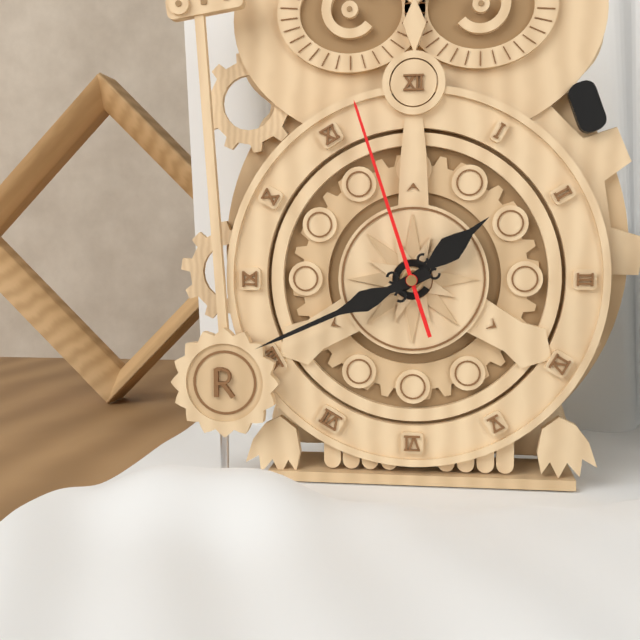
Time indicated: 1:41:57
